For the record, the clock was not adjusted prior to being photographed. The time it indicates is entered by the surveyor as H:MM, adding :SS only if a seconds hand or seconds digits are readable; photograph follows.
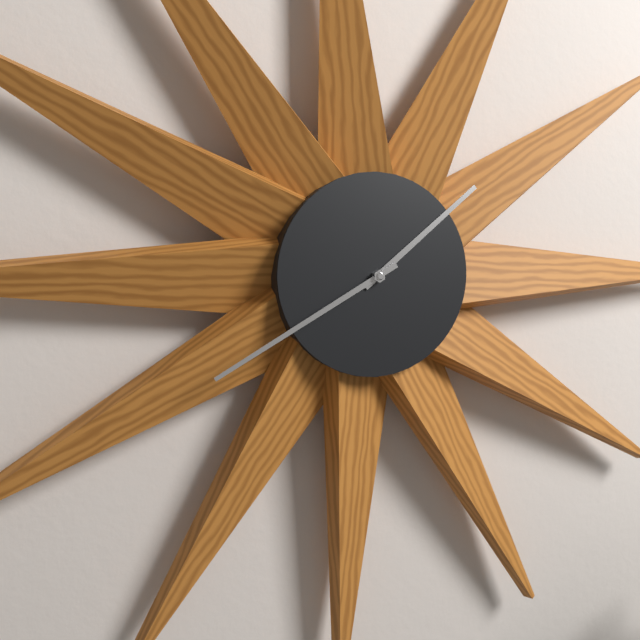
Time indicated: 1:40
